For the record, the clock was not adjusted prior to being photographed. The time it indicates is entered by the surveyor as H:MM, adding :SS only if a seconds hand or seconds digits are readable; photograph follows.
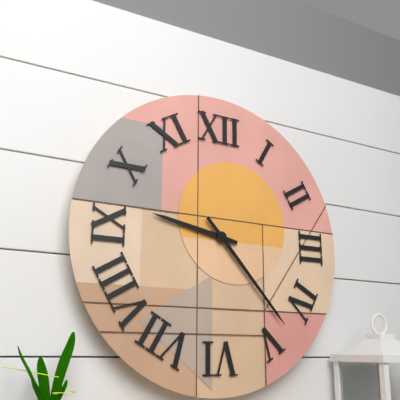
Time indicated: 9:23
